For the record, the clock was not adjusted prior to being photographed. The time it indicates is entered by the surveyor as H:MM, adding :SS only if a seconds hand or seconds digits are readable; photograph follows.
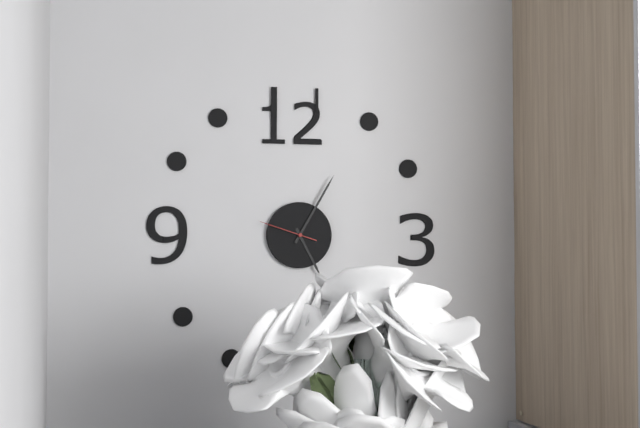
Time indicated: 5:05:48
